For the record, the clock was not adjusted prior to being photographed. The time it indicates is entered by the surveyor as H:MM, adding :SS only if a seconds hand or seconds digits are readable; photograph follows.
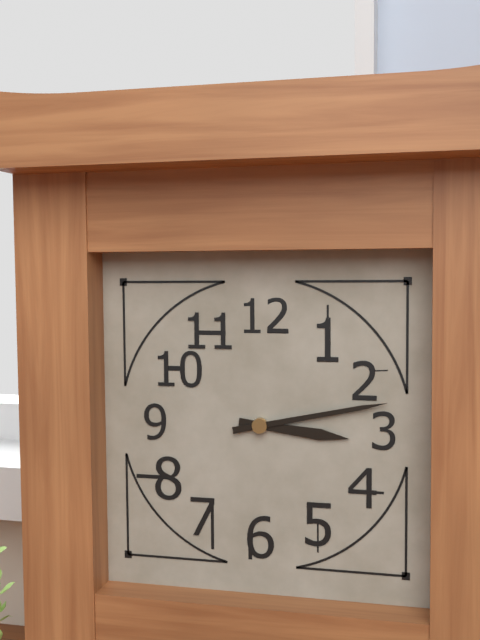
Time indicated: 3:13
